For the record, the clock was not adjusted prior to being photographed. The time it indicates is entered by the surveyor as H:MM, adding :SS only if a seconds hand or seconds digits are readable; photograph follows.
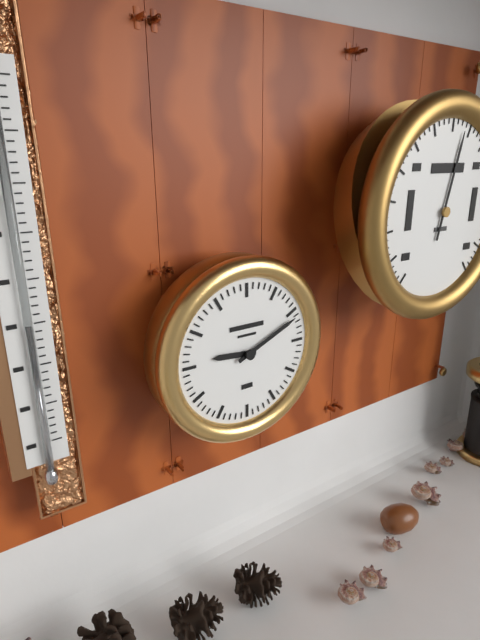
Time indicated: 9:11
